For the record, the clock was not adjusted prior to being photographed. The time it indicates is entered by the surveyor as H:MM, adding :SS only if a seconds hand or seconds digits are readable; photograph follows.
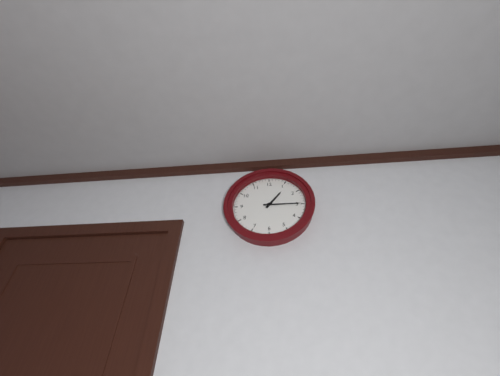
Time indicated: 1:15
